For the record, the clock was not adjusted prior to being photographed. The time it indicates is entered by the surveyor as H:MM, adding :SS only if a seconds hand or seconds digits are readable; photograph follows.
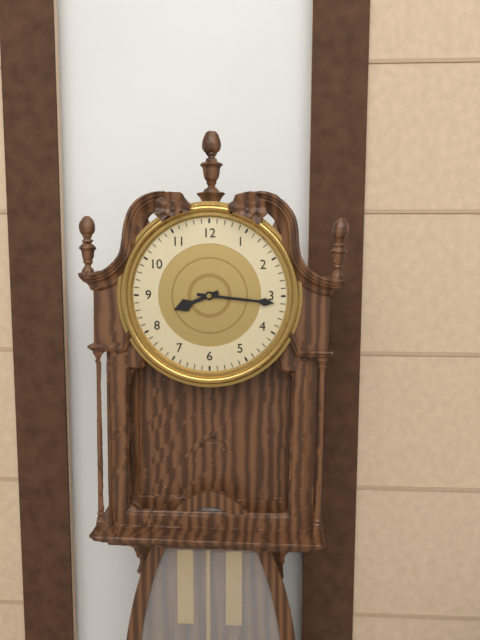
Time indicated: 8:16
